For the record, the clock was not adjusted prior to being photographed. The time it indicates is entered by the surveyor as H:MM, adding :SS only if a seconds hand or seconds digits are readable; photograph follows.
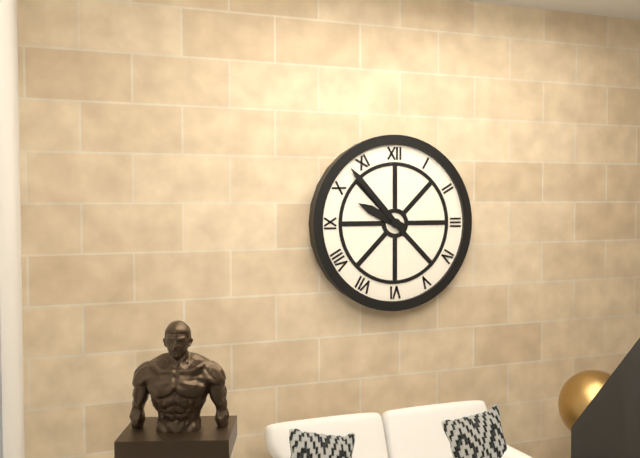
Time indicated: 9:53
